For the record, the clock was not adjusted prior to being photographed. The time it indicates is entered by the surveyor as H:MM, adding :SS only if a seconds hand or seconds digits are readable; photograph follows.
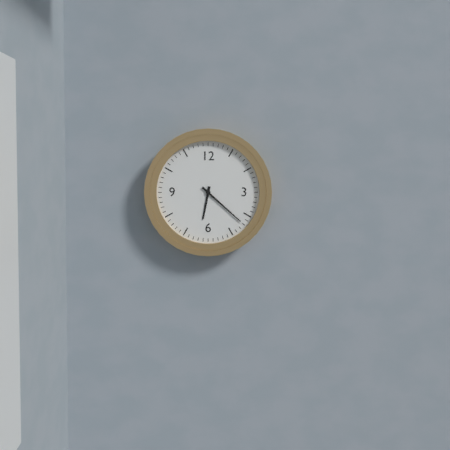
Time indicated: 6:22
